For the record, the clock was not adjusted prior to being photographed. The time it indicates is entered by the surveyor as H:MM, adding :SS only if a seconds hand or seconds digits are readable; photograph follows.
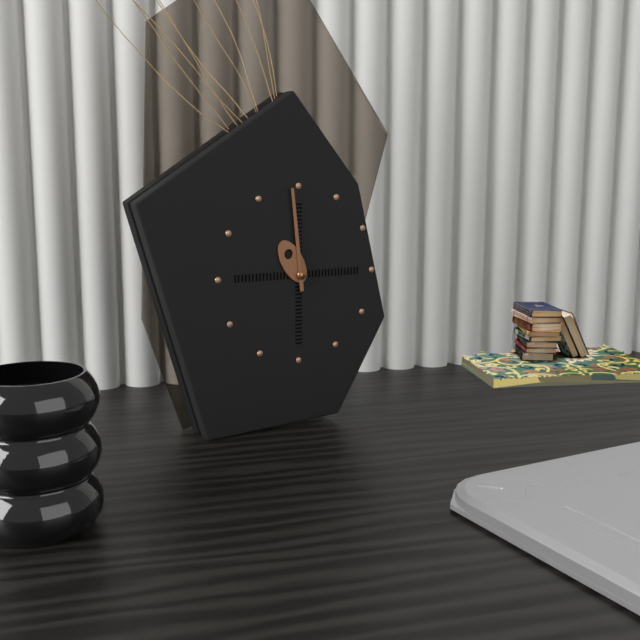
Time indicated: 10:59
